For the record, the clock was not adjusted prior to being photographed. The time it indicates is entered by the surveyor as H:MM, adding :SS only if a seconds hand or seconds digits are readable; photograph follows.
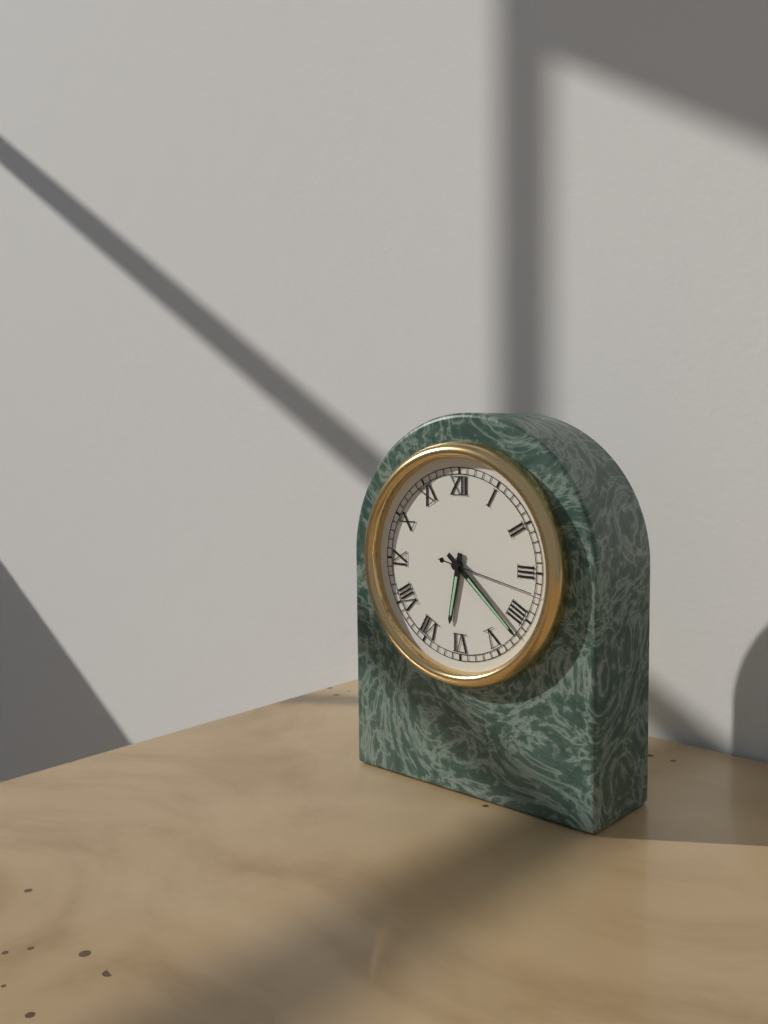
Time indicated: 6:22:17
